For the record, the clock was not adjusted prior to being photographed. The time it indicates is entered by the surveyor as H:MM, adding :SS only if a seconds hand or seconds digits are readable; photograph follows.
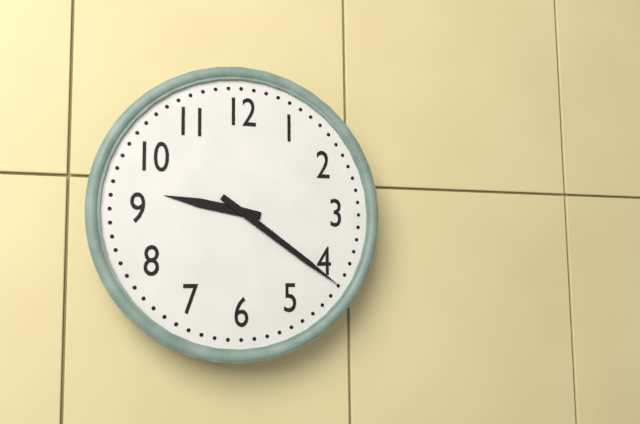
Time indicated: 9:21
